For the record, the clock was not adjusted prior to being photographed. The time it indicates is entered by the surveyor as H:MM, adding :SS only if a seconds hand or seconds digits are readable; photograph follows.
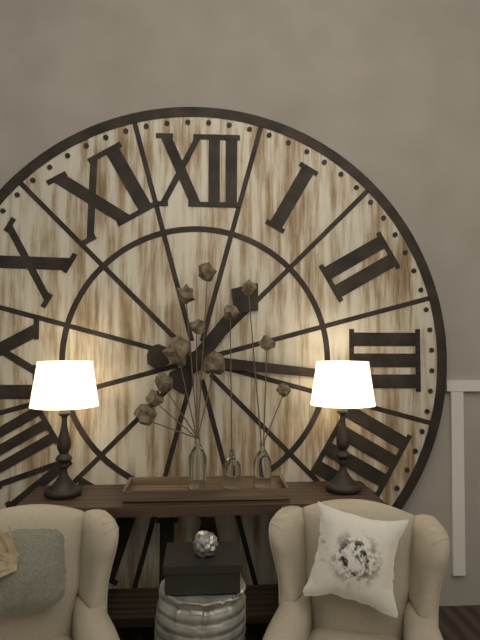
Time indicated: 1:16
